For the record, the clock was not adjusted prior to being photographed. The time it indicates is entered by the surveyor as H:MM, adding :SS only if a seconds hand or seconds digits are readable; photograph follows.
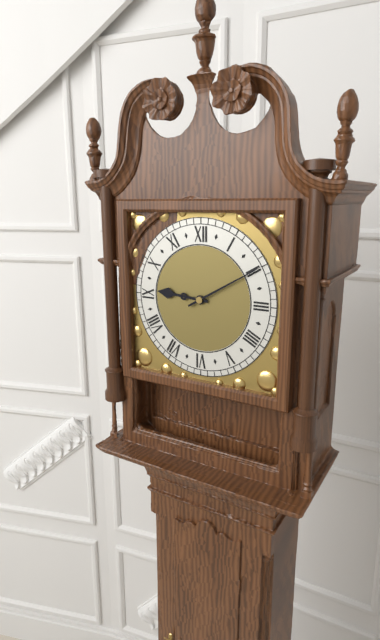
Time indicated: 9:10
